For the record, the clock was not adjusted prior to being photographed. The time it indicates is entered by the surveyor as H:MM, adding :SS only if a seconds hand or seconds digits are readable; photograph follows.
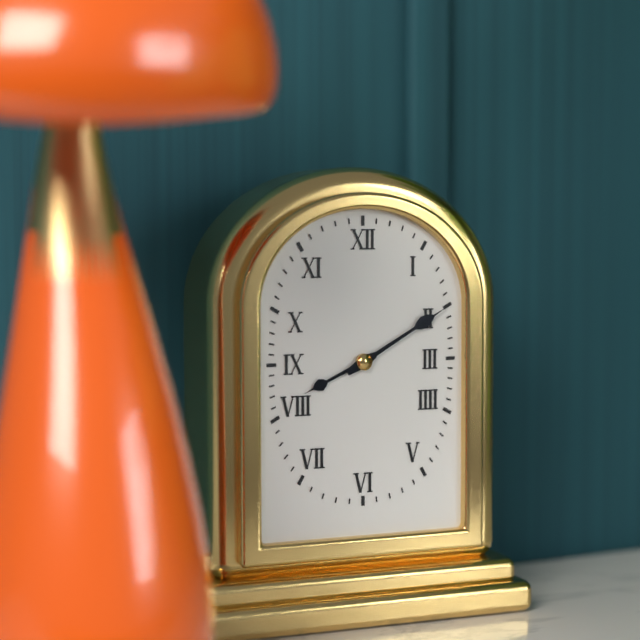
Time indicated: 8:10
